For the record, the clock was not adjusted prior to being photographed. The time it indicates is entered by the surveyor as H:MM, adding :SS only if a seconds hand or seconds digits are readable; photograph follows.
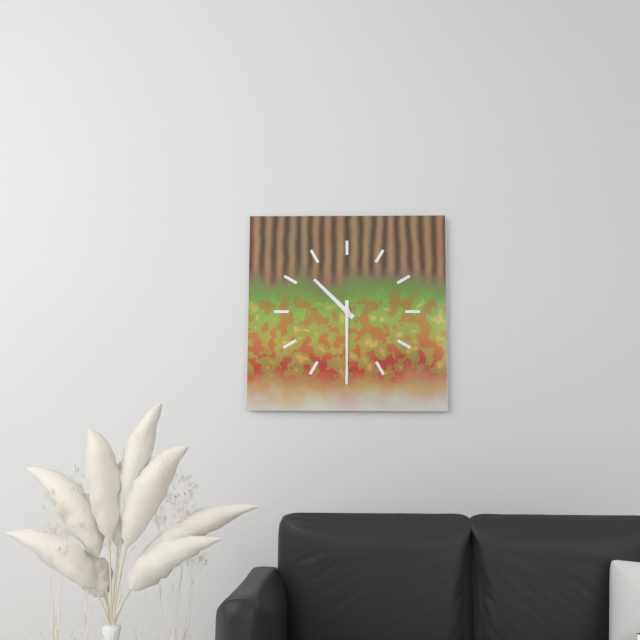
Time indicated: 10:30
